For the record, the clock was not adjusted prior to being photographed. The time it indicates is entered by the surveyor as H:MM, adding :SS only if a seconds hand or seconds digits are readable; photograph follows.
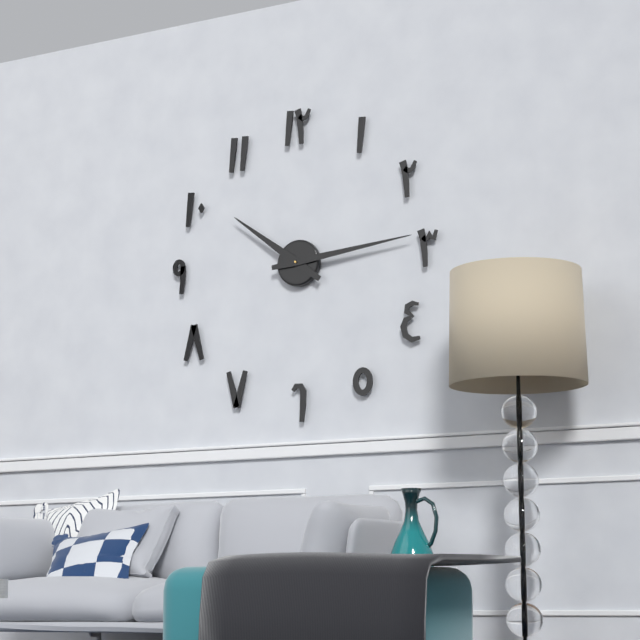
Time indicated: 10:14
